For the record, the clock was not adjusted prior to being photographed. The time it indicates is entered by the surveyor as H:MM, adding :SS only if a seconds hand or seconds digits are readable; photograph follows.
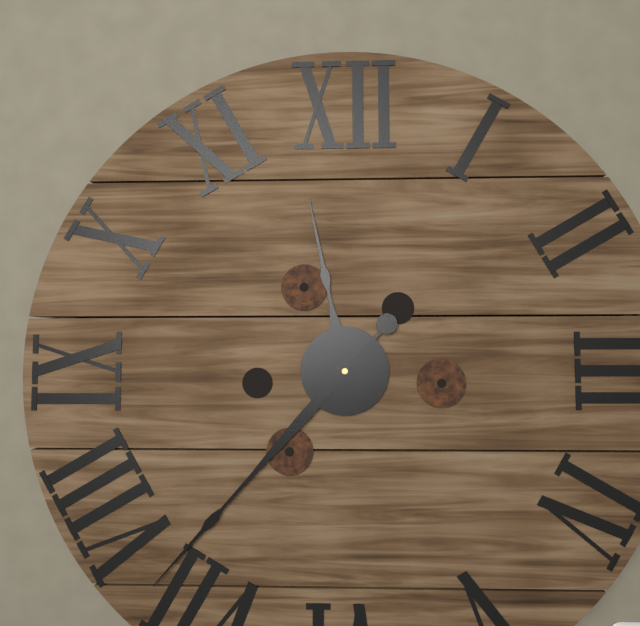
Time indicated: 11:37
